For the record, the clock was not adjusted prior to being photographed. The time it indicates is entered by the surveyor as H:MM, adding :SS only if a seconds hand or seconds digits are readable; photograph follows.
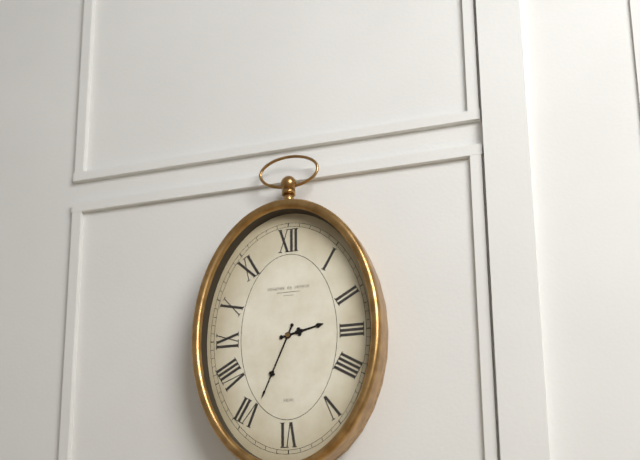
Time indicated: 2:34
